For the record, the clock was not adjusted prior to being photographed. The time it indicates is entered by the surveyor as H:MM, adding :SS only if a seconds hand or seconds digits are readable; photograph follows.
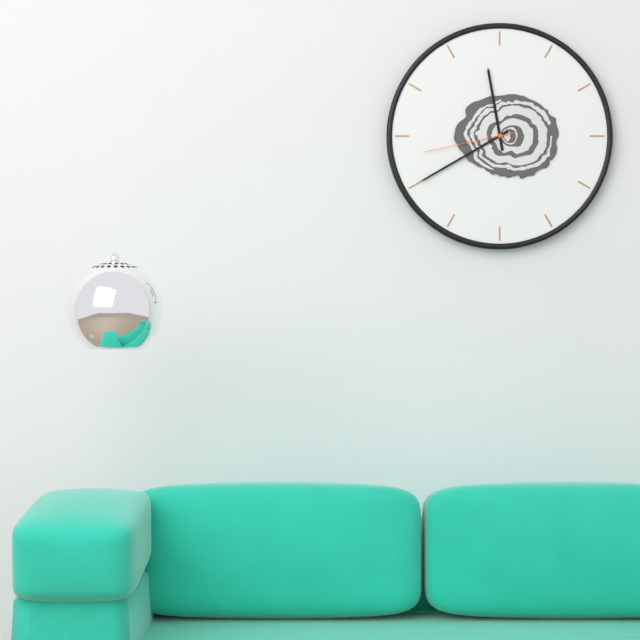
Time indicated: 11:40:43
